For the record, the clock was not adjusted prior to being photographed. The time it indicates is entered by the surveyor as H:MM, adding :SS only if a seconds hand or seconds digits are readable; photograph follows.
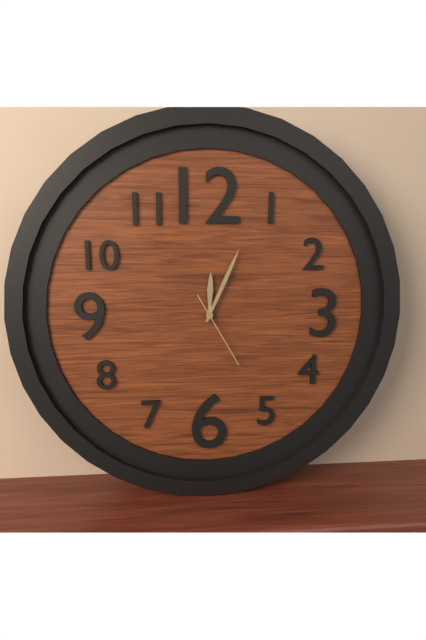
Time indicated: 12:04:25
